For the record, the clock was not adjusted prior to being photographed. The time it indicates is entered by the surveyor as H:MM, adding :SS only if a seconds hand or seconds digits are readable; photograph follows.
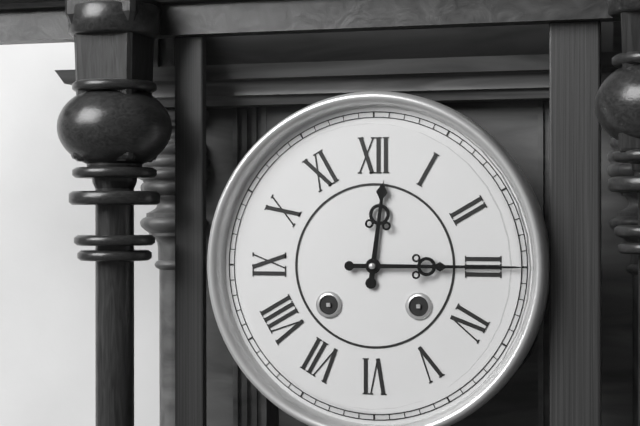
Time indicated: 12:15
